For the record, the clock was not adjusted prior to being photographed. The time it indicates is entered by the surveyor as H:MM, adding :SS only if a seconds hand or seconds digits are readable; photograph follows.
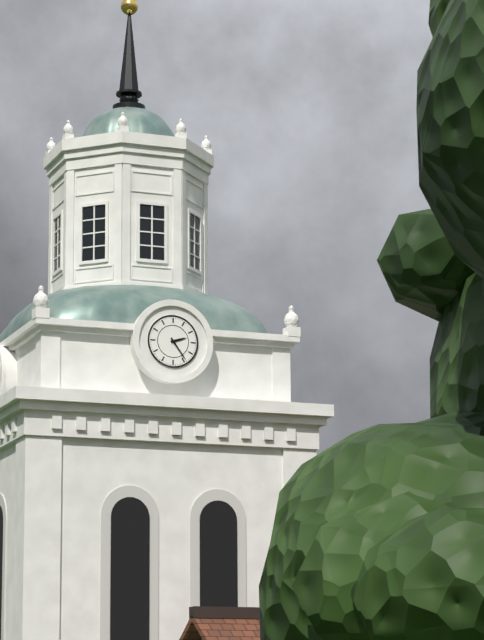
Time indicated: 2:24
